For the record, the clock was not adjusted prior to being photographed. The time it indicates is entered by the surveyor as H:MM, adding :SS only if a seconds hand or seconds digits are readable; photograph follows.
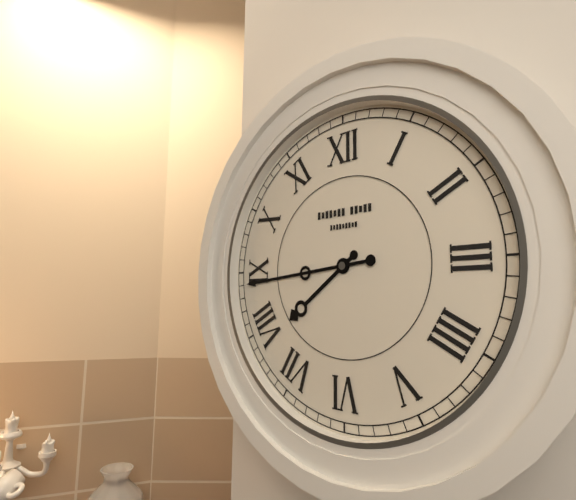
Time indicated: 7:44
